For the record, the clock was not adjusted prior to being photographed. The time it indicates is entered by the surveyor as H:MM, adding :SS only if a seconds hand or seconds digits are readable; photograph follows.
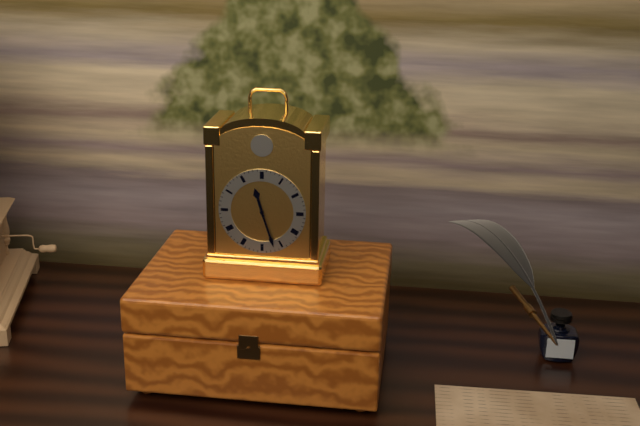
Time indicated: 11:27
